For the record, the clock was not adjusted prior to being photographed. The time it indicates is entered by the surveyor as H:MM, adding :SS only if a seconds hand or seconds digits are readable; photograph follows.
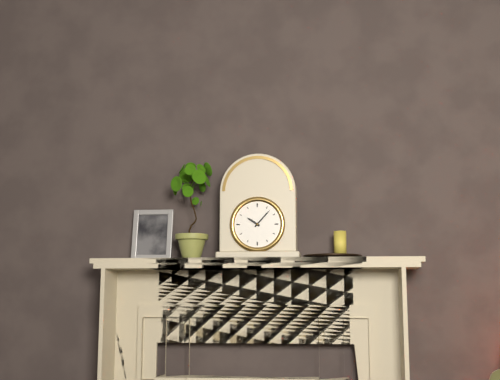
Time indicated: 10:07
